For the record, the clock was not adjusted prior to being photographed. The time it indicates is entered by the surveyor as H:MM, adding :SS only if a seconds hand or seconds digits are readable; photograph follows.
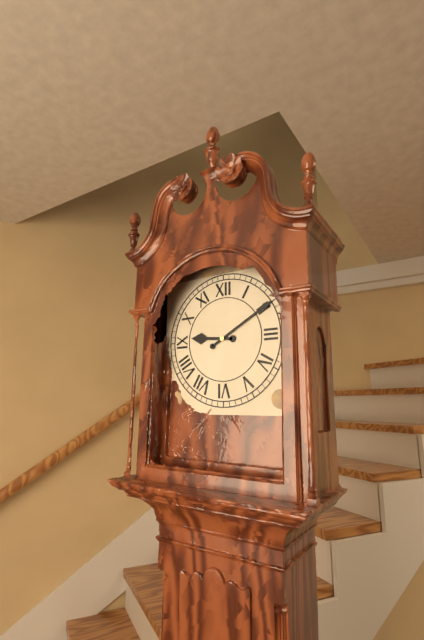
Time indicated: 9:10
